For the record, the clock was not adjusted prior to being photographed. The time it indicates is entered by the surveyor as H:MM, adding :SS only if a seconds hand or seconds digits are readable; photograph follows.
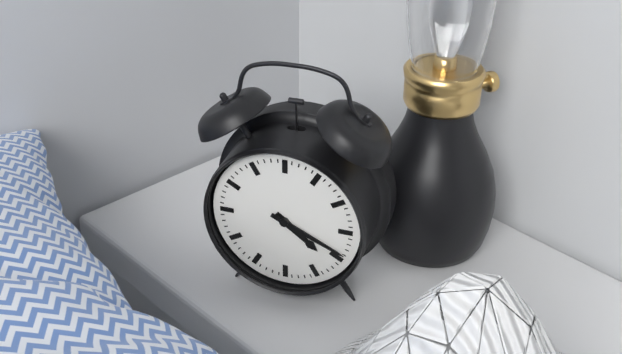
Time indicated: 4:19
